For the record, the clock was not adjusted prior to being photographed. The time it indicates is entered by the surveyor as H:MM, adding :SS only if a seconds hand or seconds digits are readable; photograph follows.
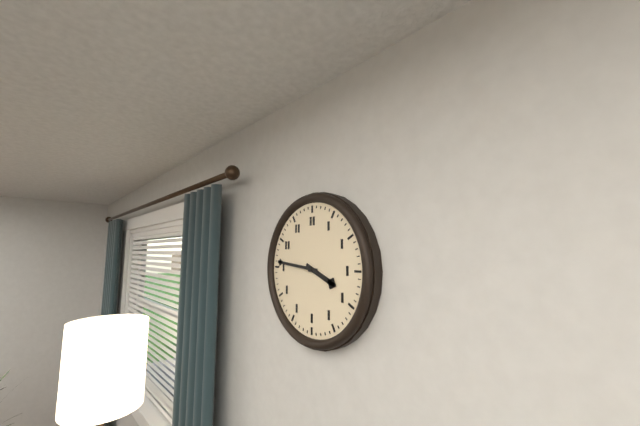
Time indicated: 3:46
